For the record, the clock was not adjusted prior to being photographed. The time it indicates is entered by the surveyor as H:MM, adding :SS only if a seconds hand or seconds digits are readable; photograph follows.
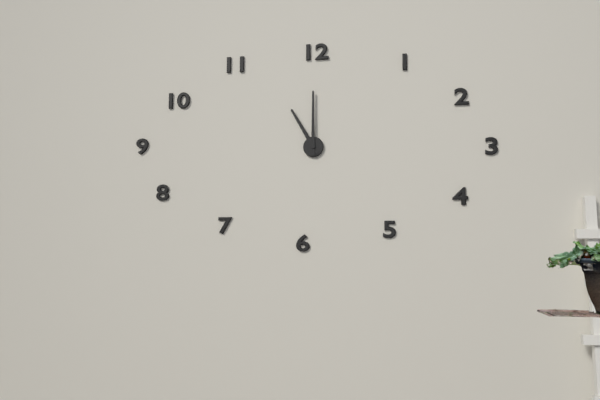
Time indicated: 11:00
